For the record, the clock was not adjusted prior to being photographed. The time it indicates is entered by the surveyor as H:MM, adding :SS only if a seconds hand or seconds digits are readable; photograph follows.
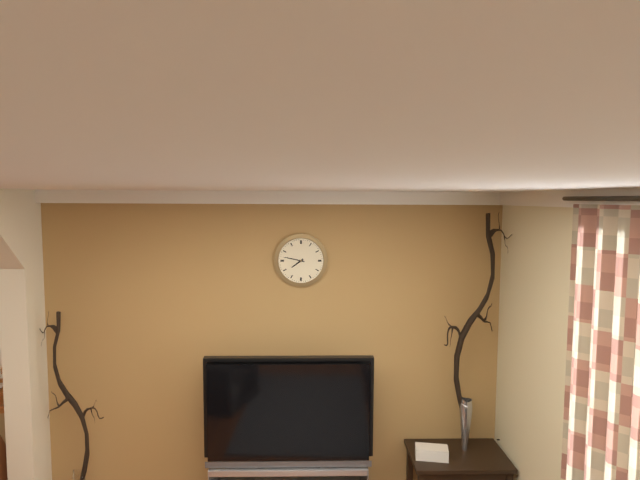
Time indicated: 7:47
